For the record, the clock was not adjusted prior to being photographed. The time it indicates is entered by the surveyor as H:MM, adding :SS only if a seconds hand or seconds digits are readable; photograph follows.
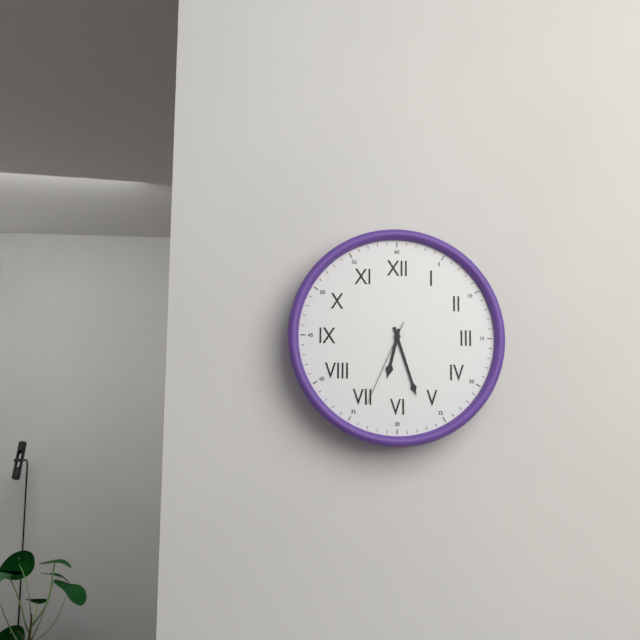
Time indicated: 6:27:34
